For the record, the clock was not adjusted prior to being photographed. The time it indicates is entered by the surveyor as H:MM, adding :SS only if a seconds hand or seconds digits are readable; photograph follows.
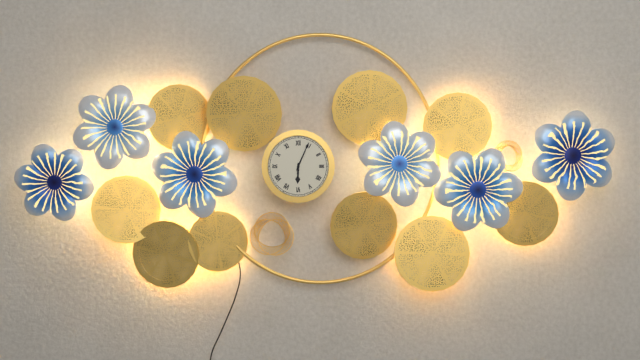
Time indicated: 6:04
